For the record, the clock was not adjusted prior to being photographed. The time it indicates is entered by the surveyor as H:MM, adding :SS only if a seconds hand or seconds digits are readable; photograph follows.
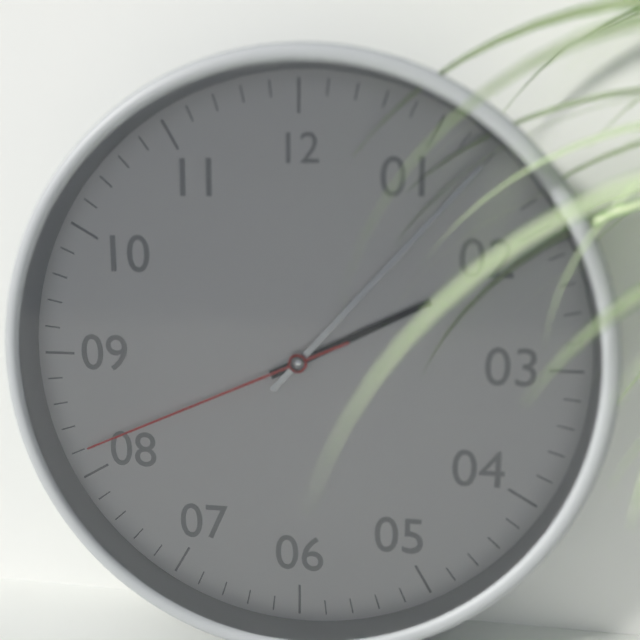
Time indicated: 2:07:41
